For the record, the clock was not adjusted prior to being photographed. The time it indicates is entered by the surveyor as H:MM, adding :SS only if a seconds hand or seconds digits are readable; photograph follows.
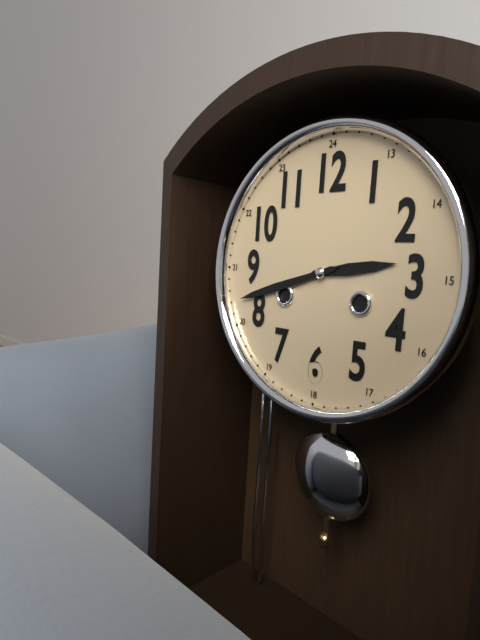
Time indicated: 2:42
